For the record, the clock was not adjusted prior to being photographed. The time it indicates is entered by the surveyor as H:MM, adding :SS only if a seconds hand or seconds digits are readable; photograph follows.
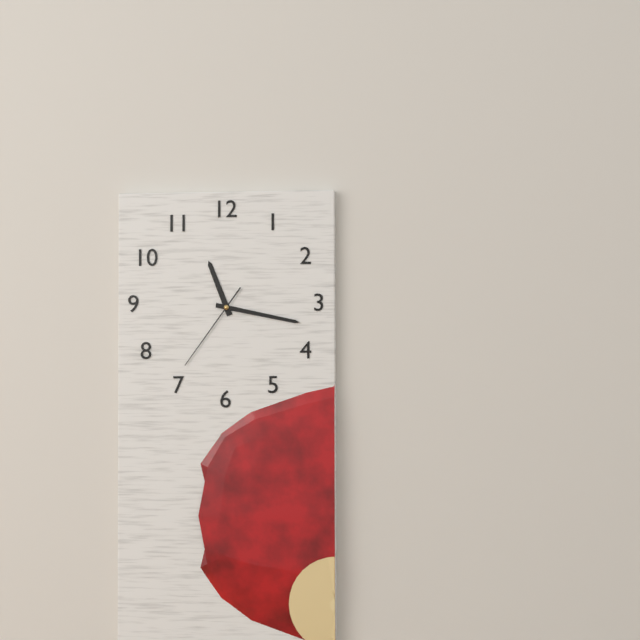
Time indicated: 11:17:36
